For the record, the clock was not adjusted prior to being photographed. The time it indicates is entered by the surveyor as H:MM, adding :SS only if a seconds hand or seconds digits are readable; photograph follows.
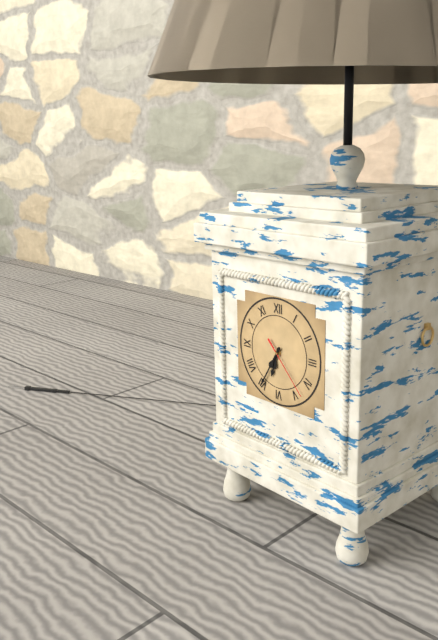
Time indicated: 6:35:23
